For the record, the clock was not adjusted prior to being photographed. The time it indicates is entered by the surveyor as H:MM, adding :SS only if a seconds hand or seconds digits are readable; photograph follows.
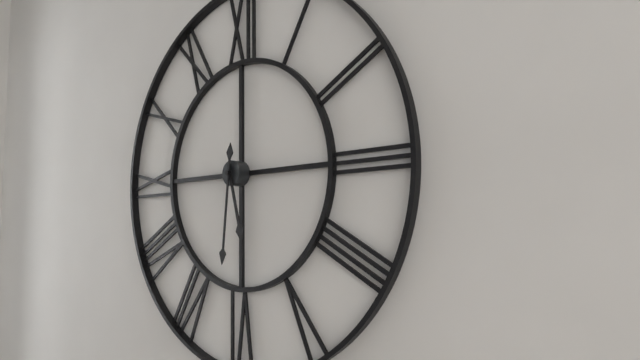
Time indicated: 5:31
